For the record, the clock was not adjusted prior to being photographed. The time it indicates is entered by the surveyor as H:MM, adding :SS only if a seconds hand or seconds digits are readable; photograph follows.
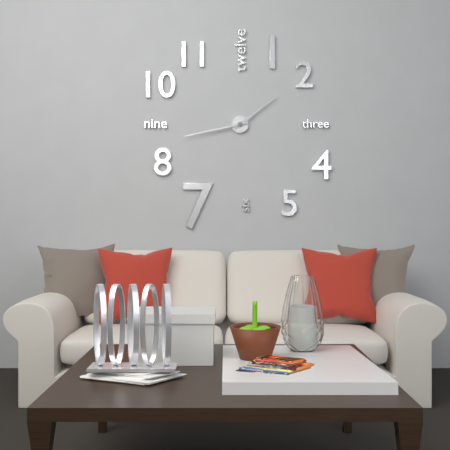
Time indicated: 1:43
